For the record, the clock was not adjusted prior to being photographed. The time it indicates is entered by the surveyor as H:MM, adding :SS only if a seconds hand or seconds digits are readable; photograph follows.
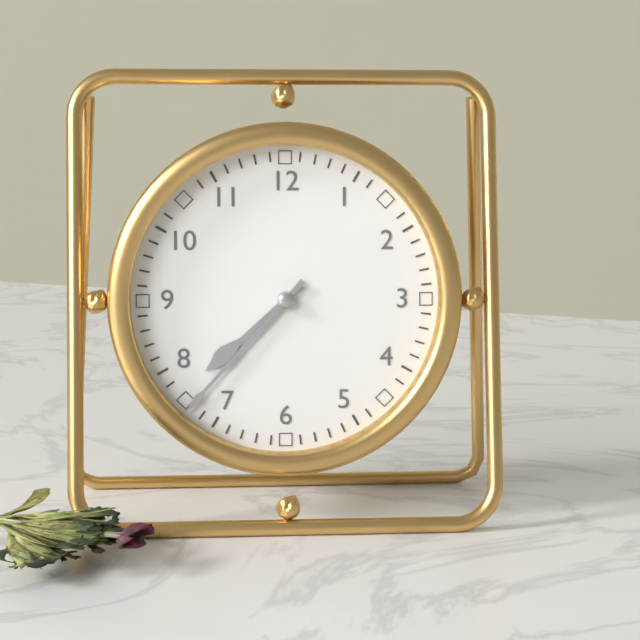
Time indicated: 7:37
